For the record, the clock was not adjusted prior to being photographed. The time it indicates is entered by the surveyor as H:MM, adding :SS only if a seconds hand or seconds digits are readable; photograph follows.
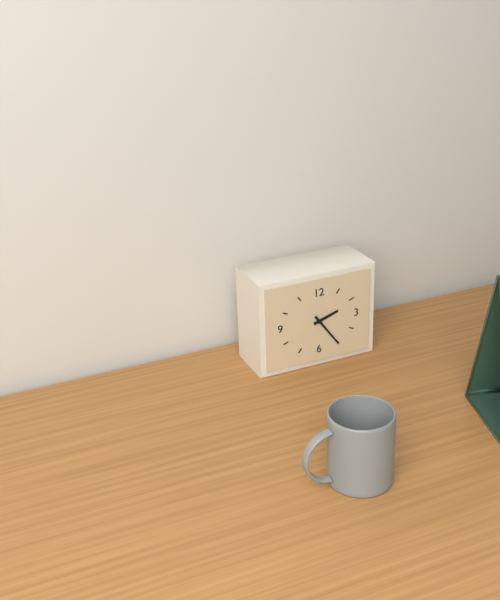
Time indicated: 2:24
